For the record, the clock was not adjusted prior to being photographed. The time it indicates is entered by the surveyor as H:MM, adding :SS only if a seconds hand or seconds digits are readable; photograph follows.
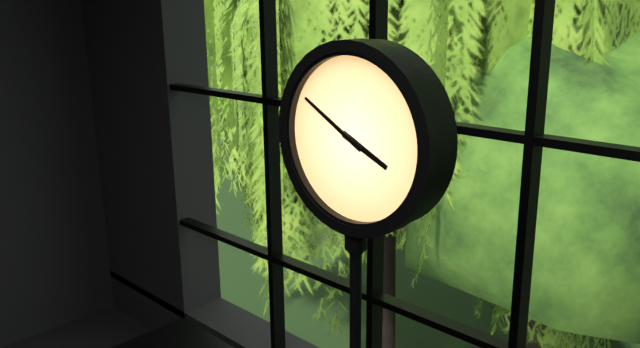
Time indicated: 3:50
